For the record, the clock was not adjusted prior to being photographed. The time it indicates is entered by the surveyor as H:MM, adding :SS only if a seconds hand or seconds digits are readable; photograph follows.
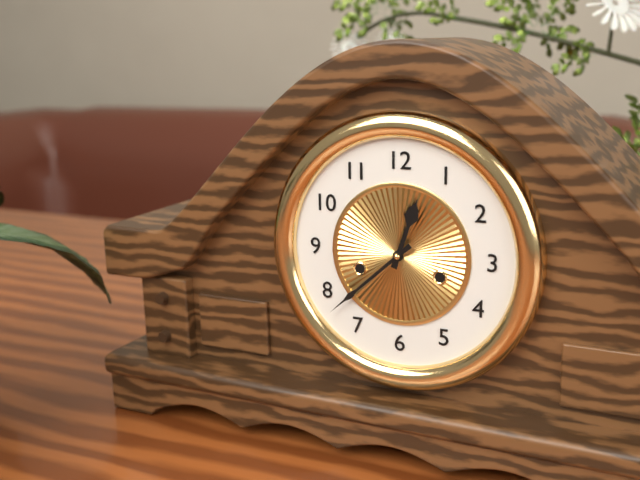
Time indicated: 12:38
